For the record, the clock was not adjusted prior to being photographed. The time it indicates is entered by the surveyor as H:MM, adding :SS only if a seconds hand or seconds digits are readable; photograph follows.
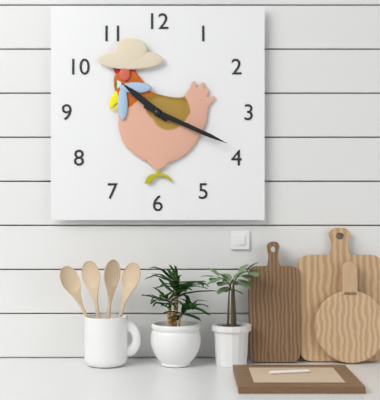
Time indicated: 10:19
